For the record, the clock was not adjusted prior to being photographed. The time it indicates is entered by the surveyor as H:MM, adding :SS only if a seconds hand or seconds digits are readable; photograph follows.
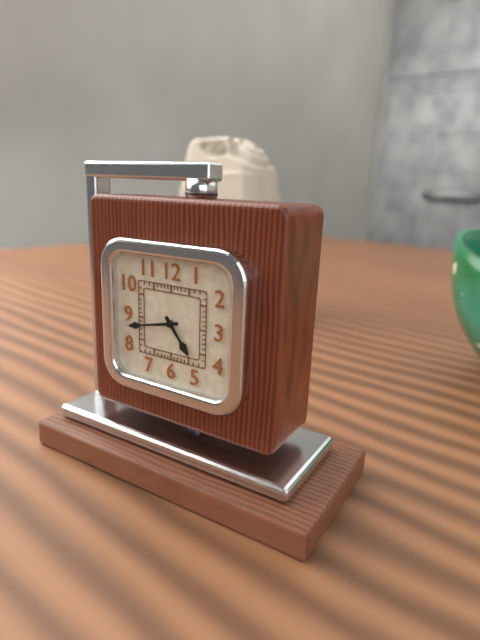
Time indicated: 4:43
